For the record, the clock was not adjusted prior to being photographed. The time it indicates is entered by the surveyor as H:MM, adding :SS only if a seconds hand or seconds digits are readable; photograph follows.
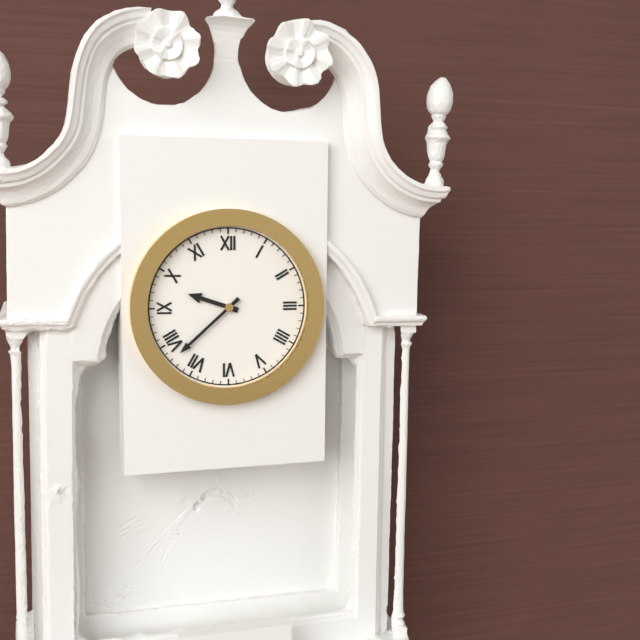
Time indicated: 9:38
